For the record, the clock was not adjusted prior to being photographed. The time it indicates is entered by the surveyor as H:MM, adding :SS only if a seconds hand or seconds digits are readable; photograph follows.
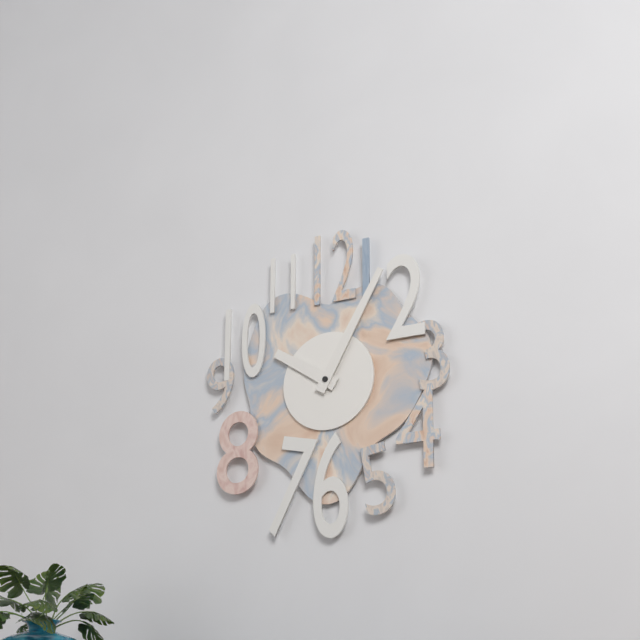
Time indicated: 10:05
